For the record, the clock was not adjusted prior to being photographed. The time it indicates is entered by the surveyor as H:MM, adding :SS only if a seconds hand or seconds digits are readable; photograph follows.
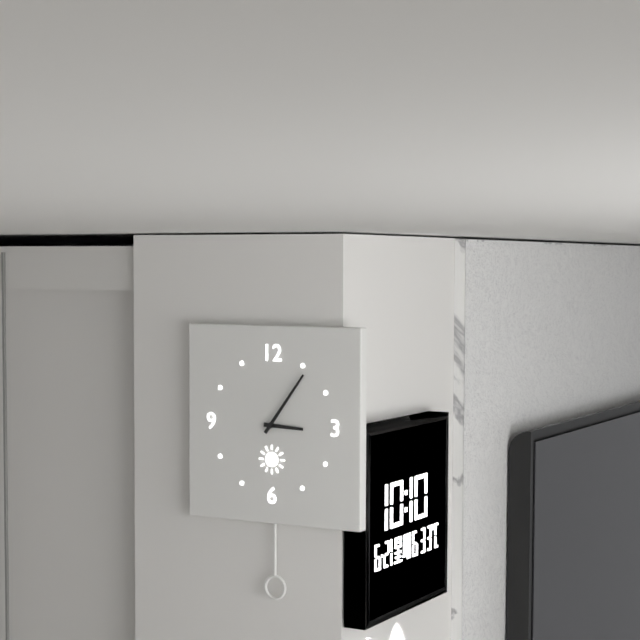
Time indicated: 3:06
